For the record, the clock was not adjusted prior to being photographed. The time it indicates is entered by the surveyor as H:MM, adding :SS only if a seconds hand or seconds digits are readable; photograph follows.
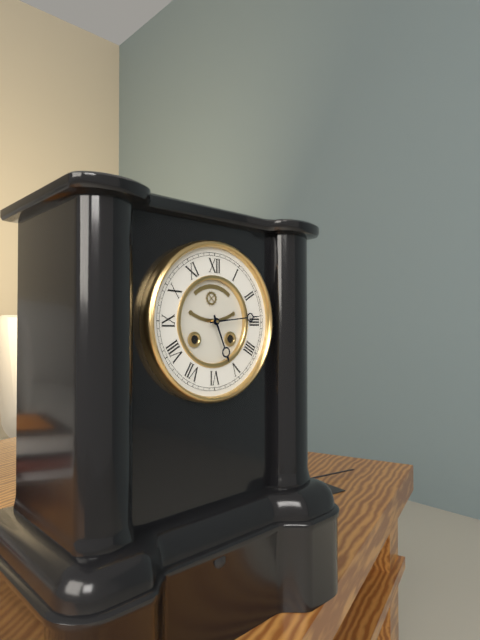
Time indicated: 5:14
